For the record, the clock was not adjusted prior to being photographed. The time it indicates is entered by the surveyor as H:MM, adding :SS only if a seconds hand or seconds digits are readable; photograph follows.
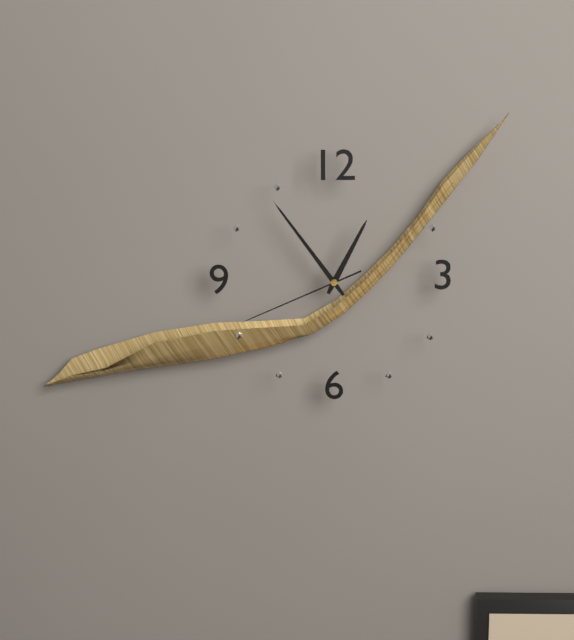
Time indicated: 12:54:41
